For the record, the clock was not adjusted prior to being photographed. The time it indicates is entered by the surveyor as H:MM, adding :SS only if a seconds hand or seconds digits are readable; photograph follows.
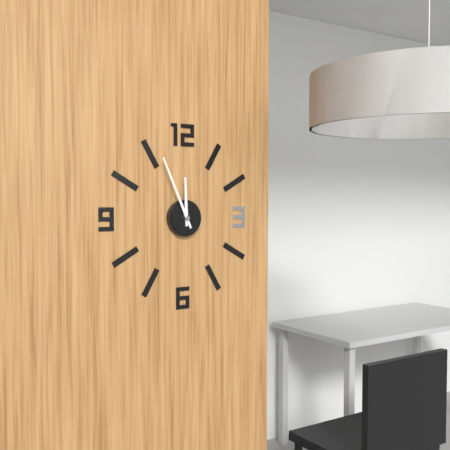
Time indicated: 11:56
